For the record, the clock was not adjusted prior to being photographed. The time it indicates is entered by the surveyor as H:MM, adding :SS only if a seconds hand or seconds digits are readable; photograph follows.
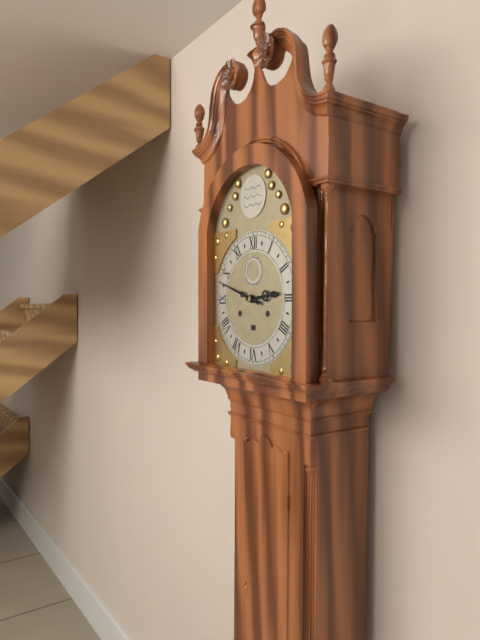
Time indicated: 2:48
